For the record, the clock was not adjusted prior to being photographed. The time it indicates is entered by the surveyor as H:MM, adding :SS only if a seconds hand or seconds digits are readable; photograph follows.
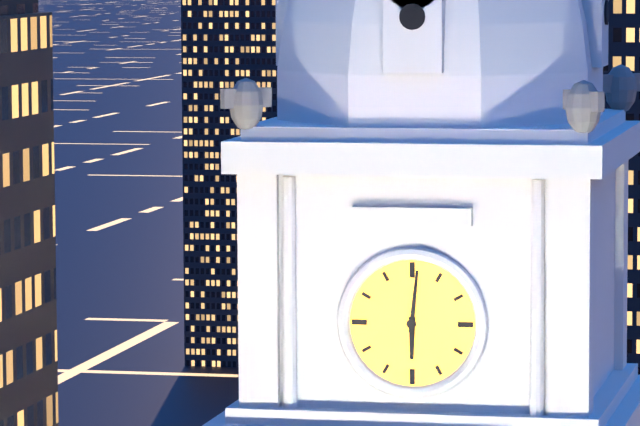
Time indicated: 6:01
